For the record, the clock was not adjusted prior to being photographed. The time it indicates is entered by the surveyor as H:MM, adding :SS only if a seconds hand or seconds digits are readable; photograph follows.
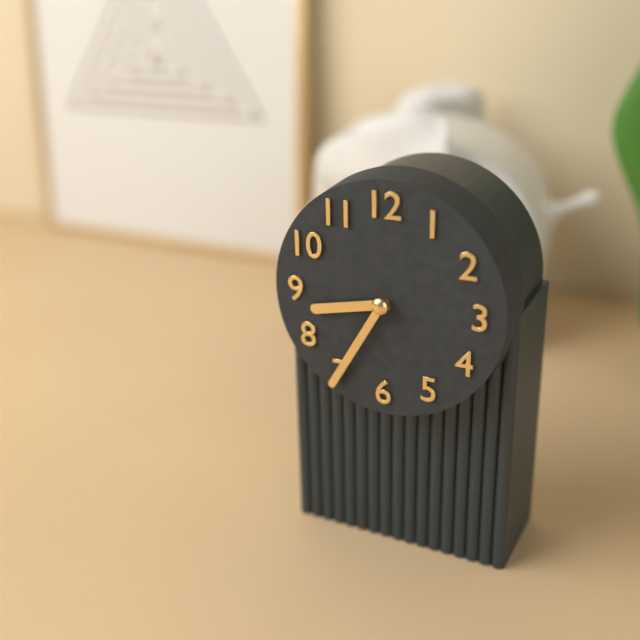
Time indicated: 8:35
